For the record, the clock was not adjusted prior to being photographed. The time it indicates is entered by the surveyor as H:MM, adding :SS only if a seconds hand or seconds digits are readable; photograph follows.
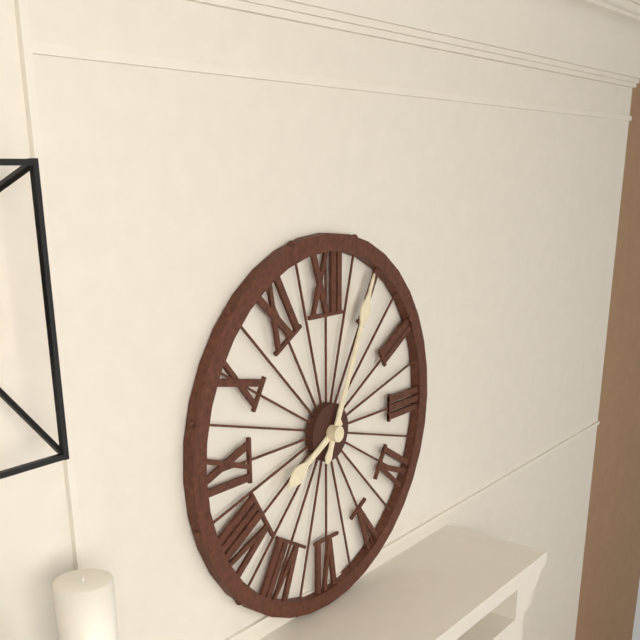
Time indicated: 8:04
